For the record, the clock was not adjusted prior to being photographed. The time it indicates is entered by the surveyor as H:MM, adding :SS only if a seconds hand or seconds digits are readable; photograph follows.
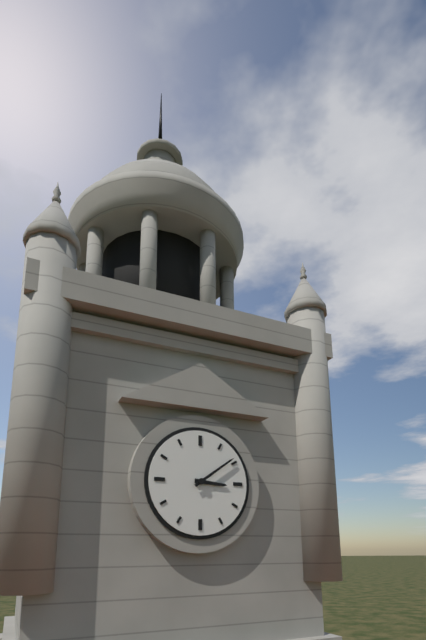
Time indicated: 3:09
